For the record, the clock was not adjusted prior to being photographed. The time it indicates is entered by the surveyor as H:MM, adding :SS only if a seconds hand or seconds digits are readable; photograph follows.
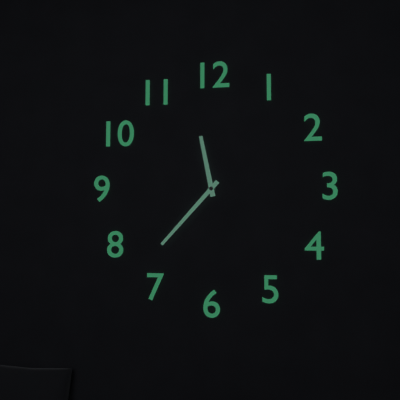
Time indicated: 11:37
